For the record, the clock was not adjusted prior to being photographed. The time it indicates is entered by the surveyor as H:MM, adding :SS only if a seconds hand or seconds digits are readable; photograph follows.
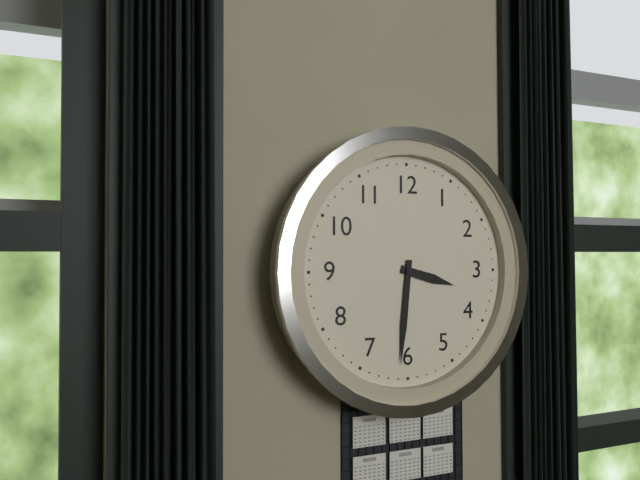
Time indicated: 3:31
